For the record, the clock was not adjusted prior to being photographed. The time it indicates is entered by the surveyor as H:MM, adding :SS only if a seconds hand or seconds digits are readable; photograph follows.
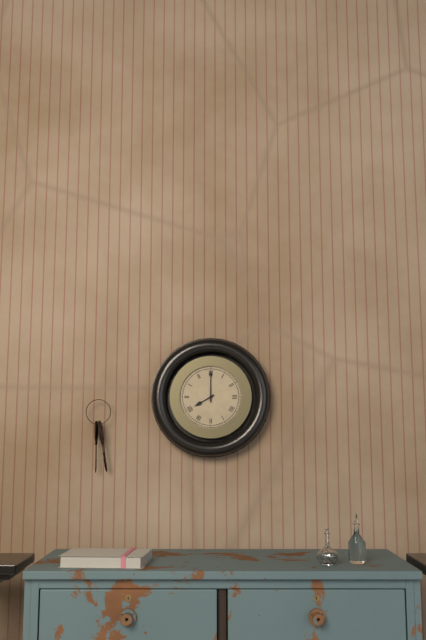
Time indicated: 8:00
